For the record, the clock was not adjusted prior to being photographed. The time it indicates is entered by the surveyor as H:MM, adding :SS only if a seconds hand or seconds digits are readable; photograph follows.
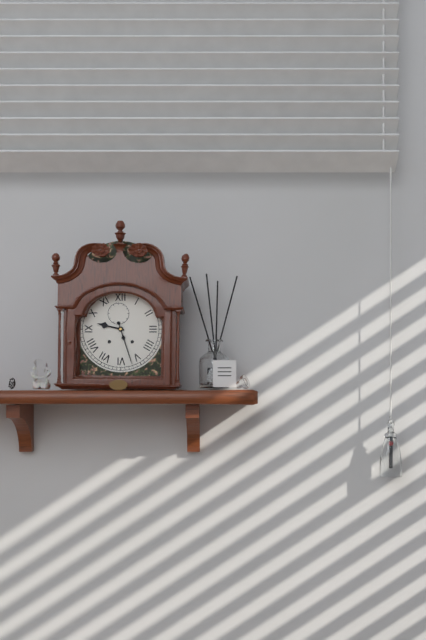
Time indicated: 9:27
